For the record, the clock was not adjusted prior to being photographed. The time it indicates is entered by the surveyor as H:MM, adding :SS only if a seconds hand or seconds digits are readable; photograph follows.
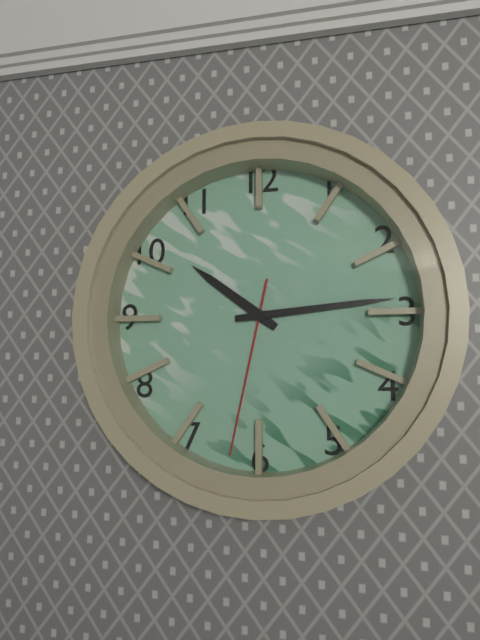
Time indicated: 10:14:32
